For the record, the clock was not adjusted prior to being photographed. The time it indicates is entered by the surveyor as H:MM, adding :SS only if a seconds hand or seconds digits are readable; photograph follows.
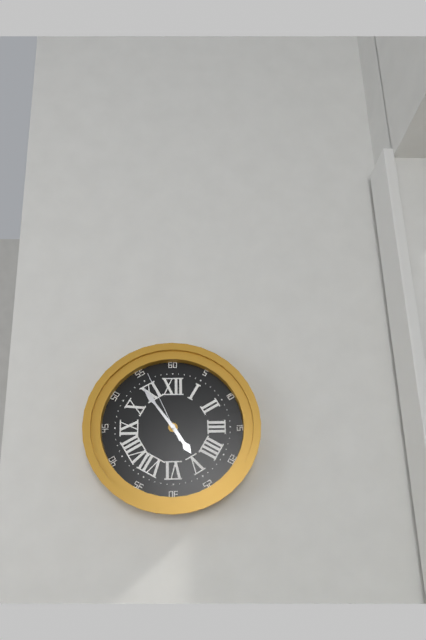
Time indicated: 4:54:56
